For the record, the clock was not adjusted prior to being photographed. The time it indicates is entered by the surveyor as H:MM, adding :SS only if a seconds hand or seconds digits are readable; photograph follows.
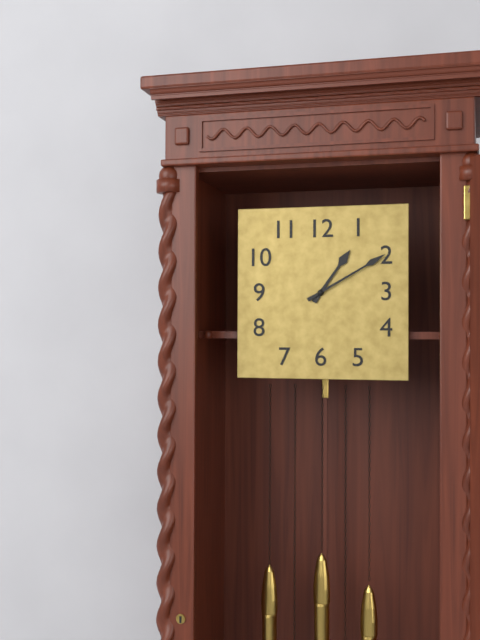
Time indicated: 1:10
